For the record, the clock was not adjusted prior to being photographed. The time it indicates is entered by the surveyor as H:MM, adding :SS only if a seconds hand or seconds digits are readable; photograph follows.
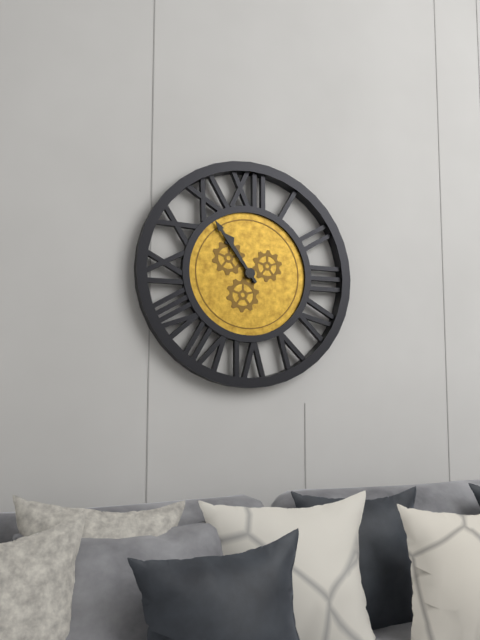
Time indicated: 10:54
